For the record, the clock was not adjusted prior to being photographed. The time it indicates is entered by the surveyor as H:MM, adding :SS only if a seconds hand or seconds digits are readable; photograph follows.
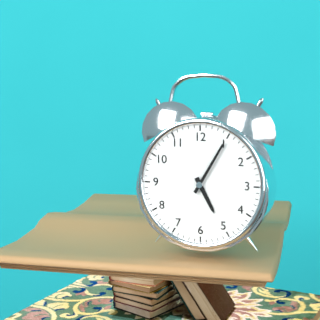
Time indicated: 5:05
